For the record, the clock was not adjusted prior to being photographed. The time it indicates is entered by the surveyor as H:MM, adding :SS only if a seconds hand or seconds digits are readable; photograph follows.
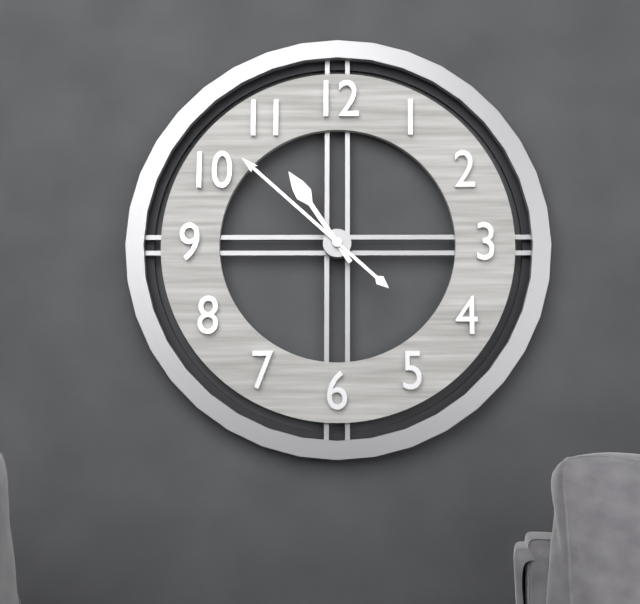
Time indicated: 10:52
